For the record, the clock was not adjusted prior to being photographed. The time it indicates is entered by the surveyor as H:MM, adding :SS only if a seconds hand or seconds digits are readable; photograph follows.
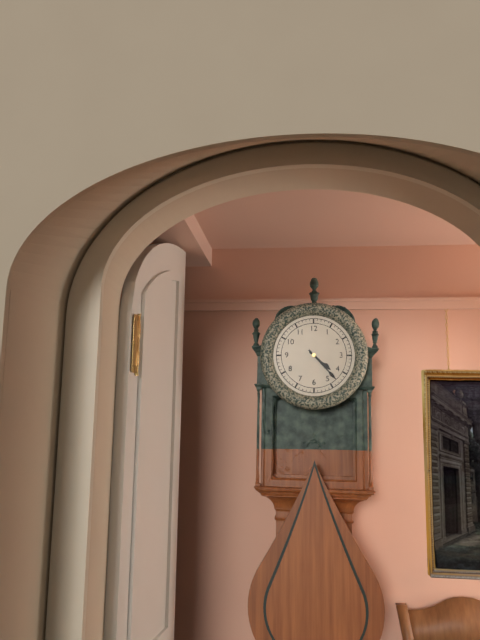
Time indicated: 4:23
